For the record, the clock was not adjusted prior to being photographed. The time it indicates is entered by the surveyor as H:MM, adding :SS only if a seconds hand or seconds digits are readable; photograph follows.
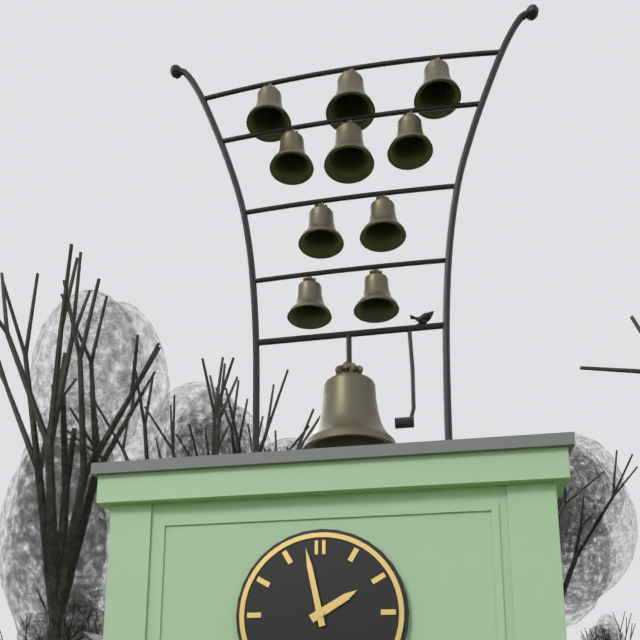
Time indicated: 1:58
